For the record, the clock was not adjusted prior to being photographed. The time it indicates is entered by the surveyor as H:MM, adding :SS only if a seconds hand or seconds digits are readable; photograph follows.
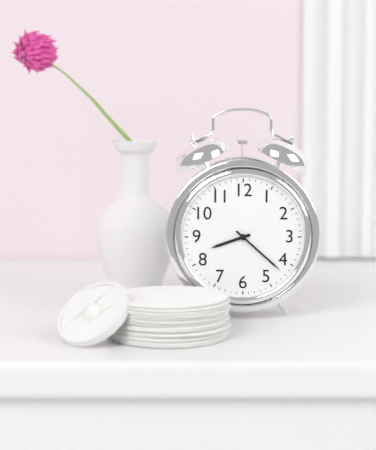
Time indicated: 8:22
